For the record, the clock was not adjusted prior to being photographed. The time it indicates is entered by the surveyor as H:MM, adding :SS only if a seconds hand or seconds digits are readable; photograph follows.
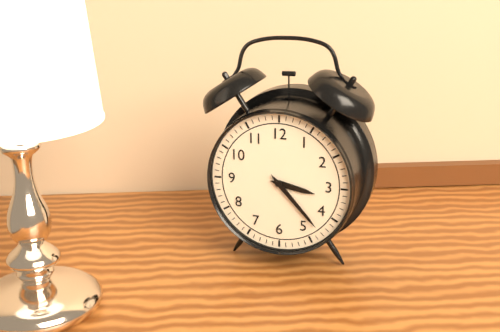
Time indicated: 3:23
